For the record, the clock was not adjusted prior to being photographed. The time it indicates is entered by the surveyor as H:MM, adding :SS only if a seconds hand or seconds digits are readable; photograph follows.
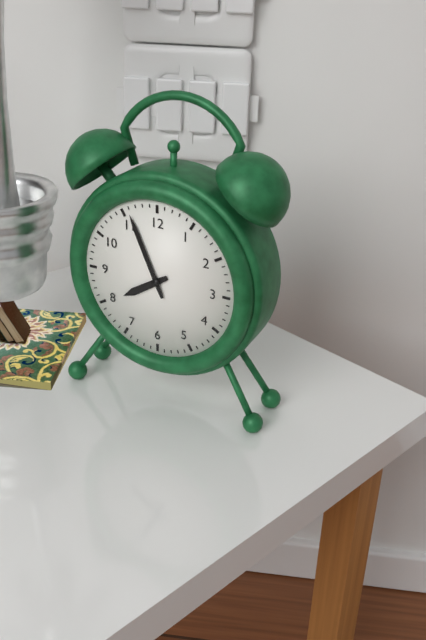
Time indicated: 7:56
